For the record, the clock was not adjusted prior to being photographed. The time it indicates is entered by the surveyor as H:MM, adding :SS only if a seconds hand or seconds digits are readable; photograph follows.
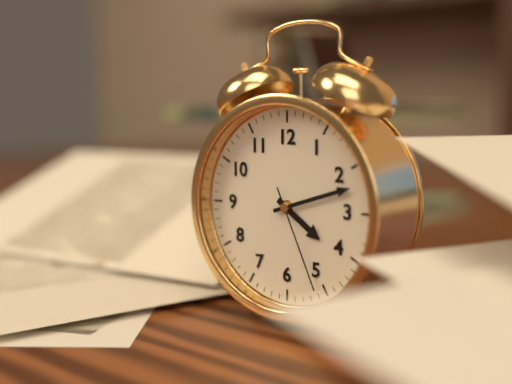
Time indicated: 4:12:26
